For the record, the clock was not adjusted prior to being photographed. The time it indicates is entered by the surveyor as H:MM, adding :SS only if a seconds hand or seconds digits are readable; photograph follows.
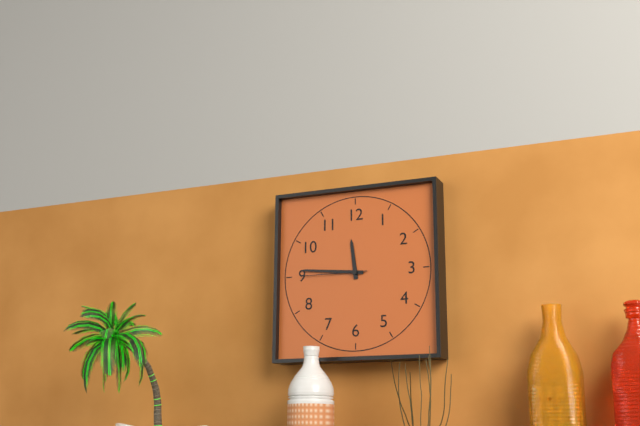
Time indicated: 11:46:45
